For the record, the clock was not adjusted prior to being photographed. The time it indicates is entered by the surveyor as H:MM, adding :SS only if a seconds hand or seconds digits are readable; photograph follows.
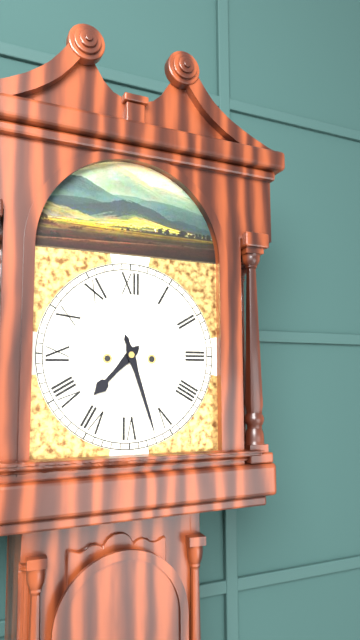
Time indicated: 7:27
